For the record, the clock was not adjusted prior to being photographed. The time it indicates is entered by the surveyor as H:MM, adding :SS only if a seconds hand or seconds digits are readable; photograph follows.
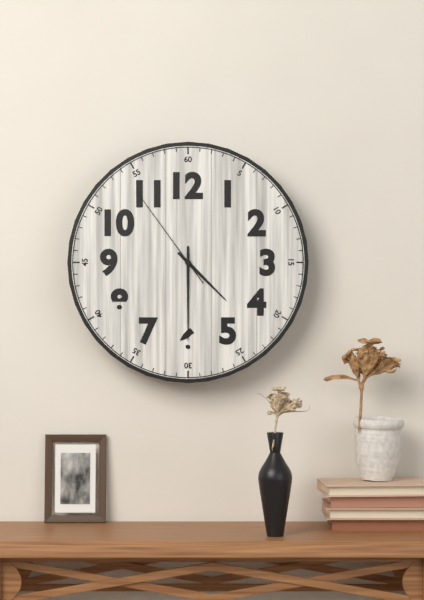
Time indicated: 4:30:54
